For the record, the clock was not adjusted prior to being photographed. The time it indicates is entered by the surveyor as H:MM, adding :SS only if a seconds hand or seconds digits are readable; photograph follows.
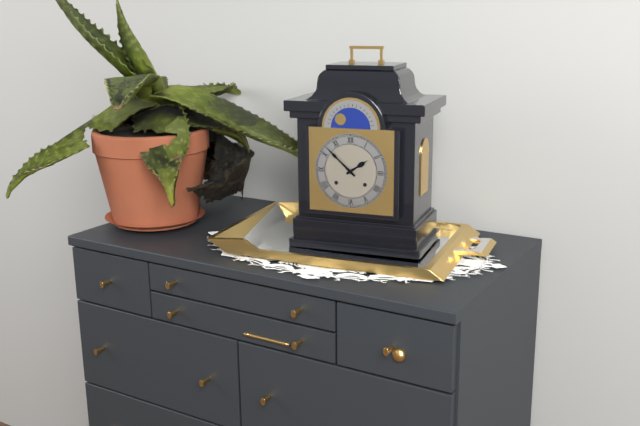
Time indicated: 1:52
